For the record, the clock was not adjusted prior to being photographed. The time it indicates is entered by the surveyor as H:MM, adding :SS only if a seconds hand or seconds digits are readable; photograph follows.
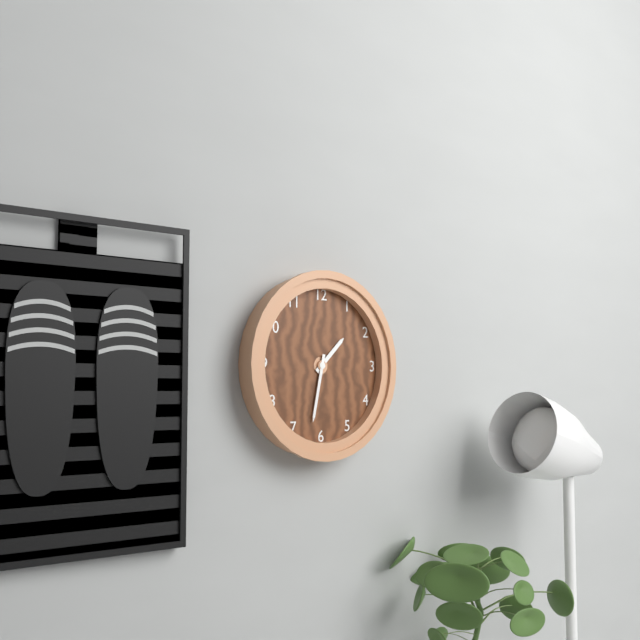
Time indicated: 1:32
